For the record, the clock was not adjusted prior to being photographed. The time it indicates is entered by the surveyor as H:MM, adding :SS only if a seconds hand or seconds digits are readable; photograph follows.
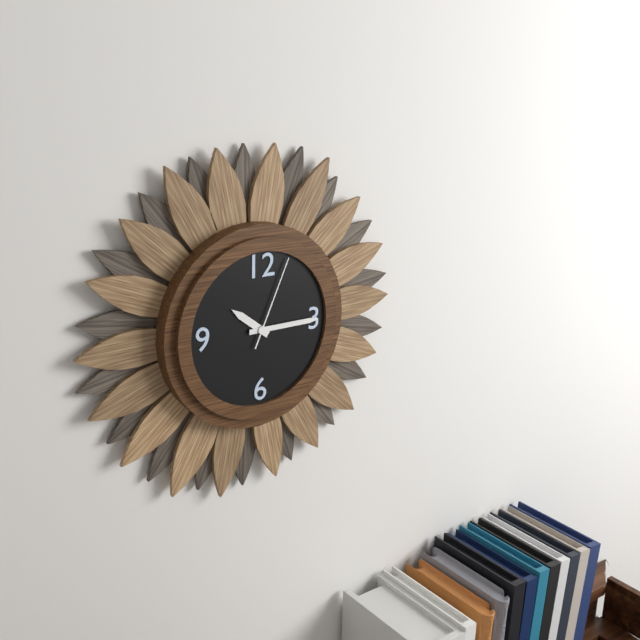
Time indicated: 10:15:04
